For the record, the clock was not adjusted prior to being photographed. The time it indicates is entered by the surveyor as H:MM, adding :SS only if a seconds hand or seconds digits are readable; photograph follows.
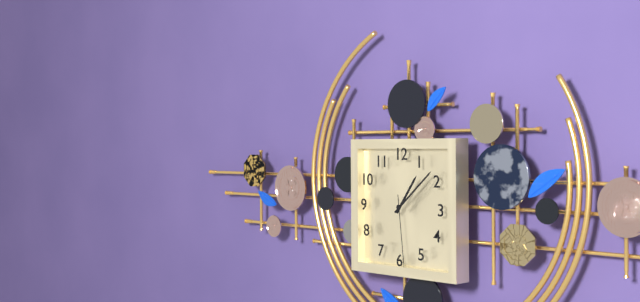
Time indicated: 1:08:29
